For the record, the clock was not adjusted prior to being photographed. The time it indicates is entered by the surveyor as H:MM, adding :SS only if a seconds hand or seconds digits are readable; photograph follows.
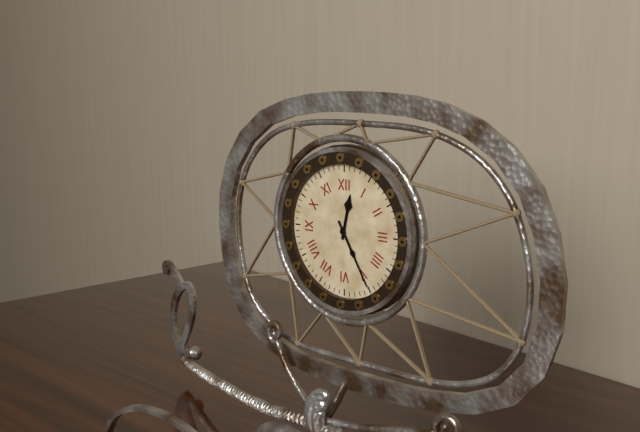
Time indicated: 12:25
